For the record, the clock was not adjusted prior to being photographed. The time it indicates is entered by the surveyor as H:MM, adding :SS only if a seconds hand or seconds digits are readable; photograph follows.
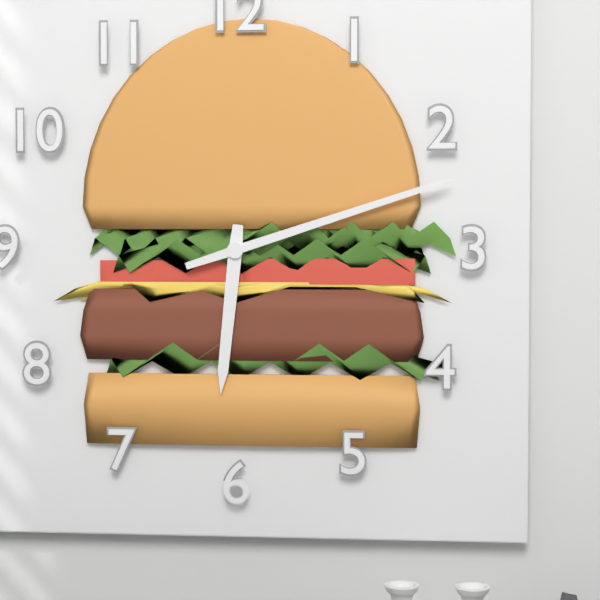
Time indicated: 6:12
